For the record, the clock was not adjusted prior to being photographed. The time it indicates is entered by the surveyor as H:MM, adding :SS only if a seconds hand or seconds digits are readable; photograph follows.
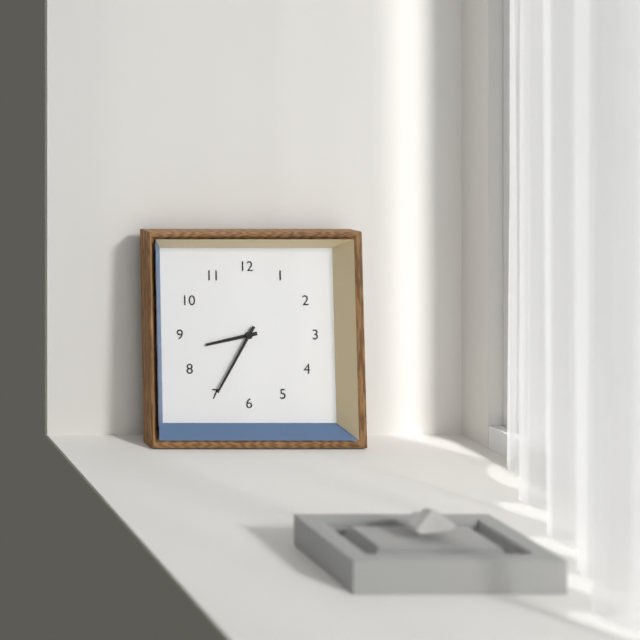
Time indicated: 8:35
